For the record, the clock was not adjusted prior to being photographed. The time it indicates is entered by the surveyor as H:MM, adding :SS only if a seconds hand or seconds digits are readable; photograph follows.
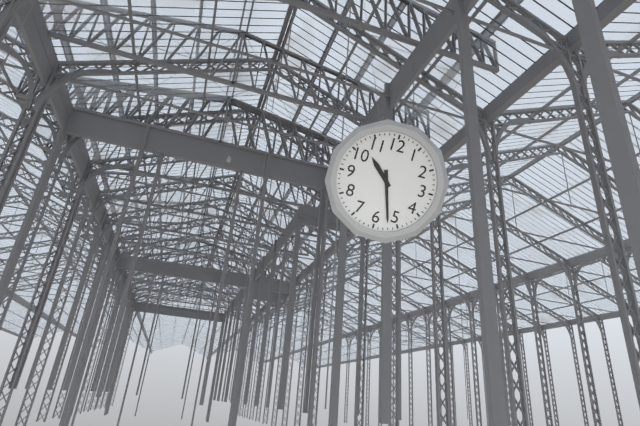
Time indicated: 10:27
